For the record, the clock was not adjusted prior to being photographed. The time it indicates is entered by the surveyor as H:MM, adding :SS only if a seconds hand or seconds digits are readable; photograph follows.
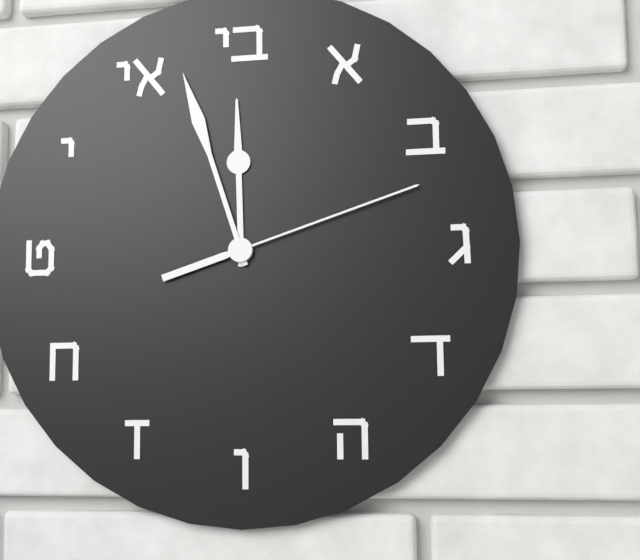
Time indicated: 11:57:12
